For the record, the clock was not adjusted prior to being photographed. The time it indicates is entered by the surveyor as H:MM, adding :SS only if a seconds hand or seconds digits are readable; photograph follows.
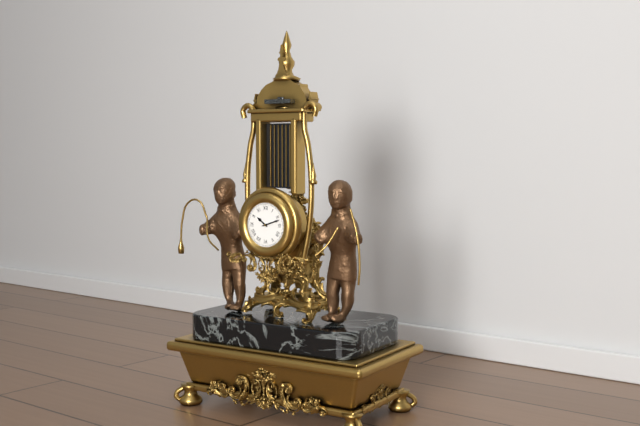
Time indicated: 10:12
